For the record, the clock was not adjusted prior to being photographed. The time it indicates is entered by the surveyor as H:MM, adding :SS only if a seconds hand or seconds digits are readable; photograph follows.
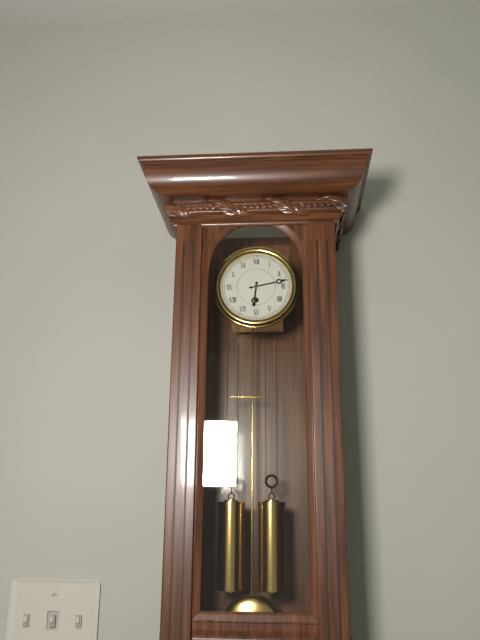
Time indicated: 6:13
